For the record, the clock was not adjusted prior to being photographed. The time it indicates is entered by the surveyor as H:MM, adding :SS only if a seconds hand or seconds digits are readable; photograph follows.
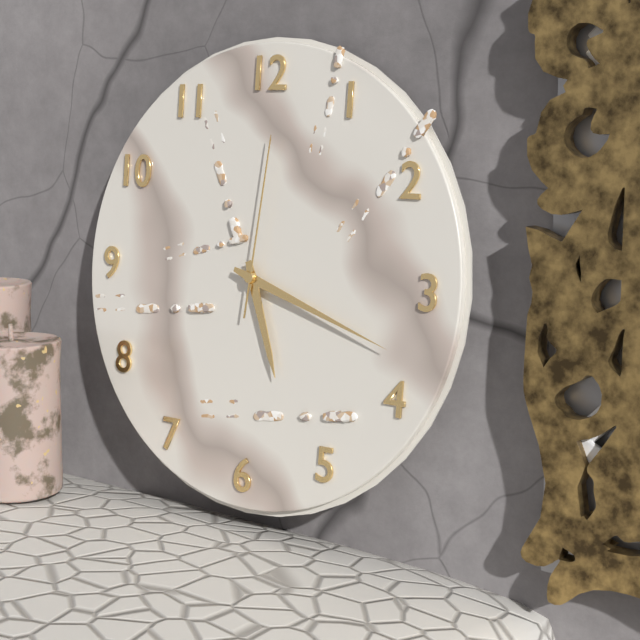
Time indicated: 5:18:01
